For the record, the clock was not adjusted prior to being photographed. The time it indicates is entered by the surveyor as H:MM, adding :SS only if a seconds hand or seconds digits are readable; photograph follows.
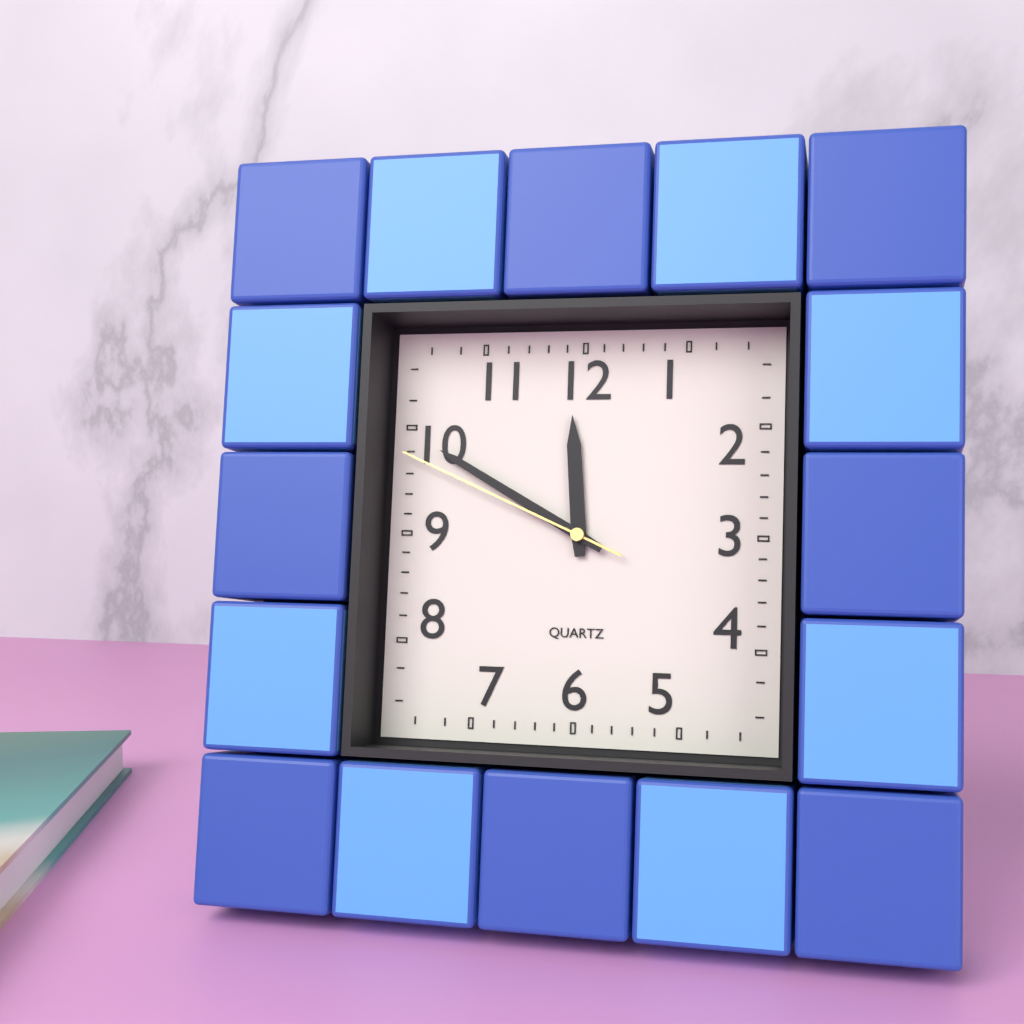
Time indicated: 11:50:49
